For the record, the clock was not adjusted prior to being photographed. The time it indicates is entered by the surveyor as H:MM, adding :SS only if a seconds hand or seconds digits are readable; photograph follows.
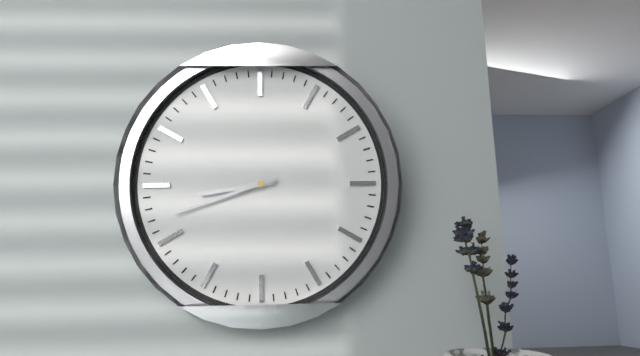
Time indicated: 8:42
